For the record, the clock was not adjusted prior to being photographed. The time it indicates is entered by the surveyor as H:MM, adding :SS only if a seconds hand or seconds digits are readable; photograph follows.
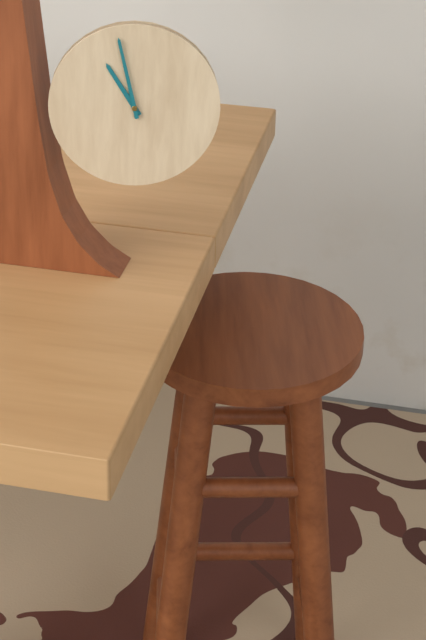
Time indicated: 10:58
